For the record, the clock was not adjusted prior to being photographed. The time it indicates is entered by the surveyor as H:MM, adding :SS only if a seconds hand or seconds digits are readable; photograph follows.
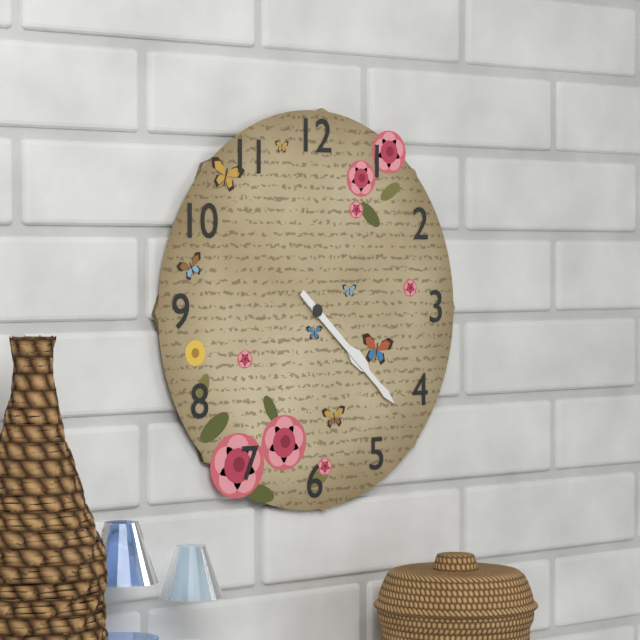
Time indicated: 4:22
